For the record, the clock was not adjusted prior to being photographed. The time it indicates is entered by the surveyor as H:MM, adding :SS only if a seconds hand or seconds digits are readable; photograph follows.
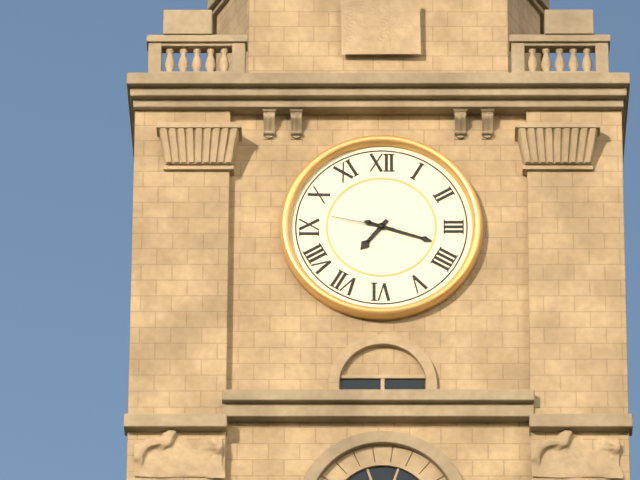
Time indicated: 7:18:47
